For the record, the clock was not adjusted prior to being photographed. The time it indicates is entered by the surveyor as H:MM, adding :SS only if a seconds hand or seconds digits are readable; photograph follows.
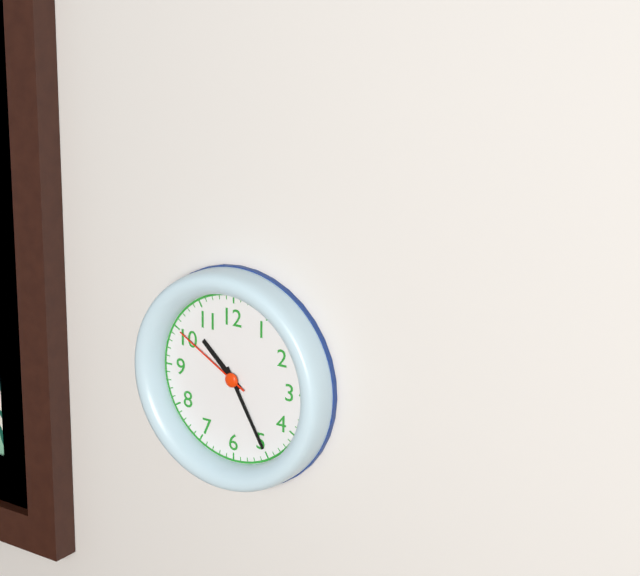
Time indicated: 10:25:50
